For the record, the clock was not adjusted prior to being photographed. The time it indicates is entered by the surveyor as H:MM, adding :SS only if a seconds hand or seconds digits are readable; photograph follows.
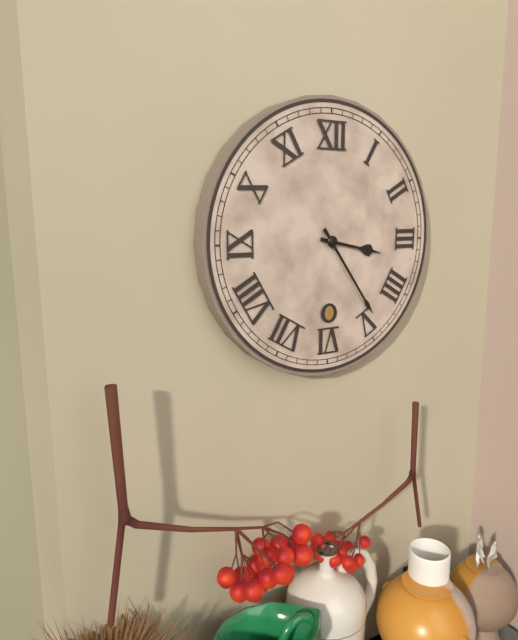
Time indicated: 3:24
